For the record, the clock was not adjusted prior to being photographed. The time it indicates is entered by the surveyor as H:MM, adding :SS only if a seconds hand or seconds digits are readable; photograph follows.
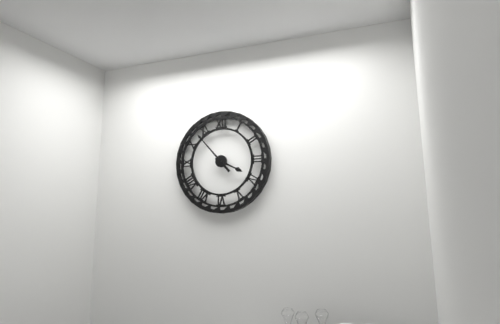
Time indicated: 3:53
